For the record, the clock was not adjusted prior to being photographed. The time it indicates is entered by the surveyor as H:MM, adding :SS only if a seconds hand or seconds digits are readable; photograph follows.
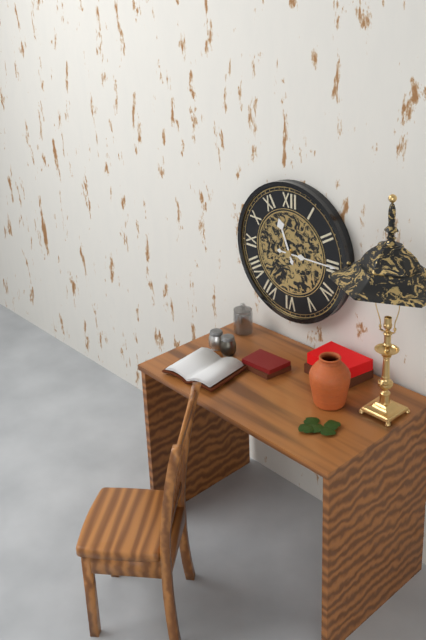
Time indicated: 11:15
